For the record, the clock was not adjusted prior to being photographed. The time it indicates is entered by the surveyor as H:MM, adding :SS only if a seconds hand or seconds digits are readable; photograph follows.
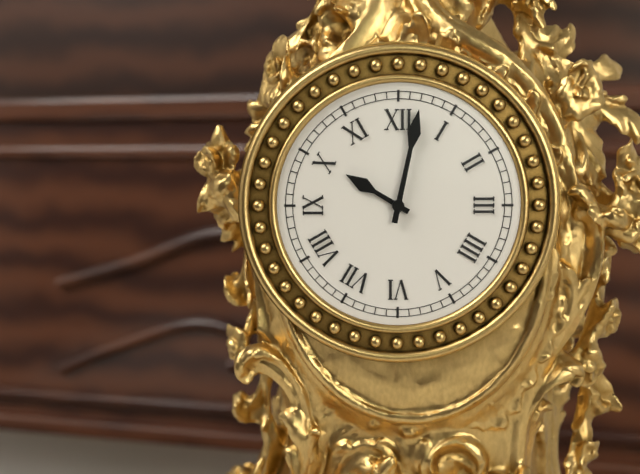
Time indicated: 10:02
